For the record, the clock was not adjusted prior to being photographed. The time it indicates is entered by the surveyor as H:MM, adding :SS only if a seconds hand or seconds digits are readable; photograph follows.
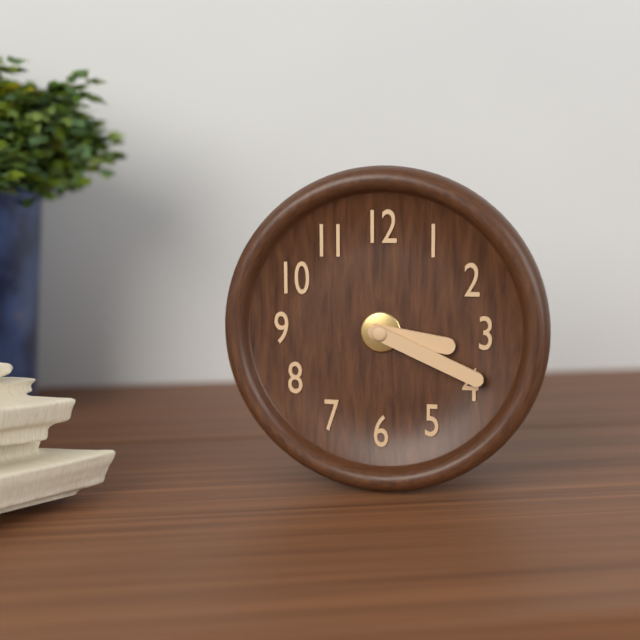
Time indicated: 3:19
